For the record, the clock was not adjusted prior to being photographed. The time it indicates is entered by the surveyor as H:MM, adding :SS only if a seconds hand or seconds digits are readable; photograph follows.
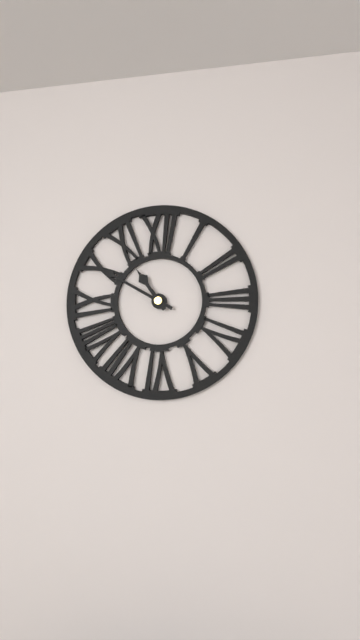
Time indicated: 10:50
